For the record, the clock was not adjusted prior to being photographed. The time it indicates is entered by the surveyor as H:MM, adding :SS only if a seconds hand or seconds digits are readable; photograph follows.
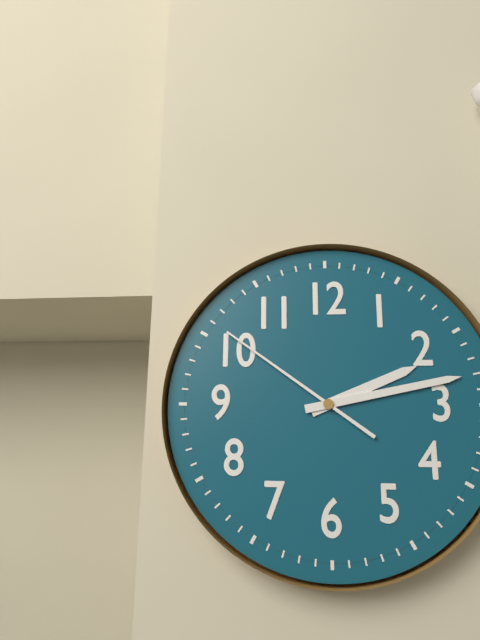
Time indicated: 2:13:51
